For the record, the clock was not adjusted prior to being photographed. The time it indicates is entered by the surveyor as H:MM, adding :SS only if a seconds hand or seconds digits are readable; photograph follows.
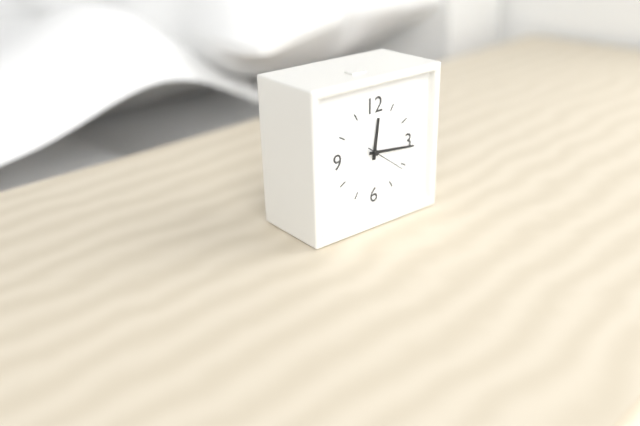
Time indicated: 12:16
